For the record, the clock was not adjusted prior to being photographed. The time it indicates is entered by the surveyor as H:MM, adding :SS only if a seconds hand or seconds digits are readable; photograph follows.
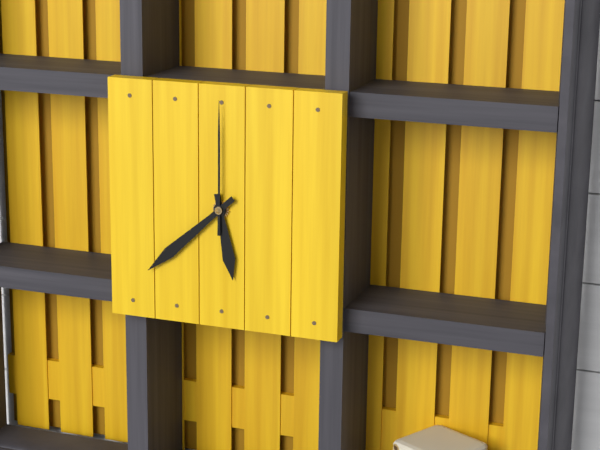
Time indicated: 5:38:00
